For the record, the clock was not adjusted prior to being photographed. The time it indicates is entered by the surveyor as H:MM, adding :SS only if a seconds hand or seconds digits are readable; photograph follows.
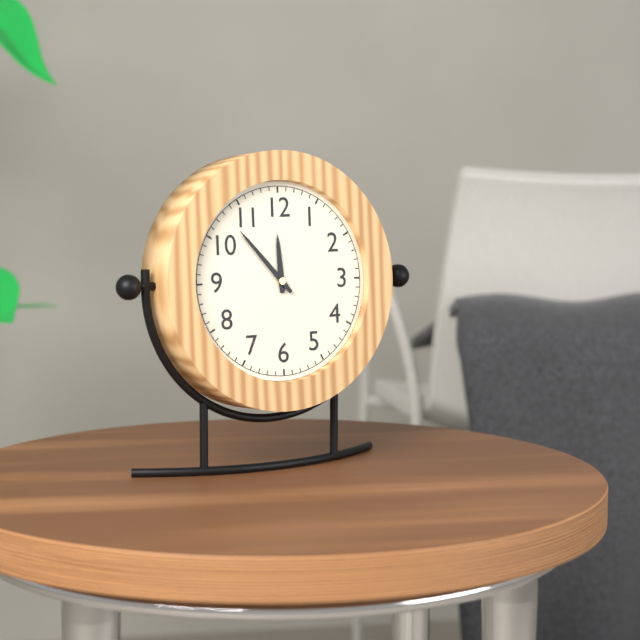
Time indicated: 11:53
